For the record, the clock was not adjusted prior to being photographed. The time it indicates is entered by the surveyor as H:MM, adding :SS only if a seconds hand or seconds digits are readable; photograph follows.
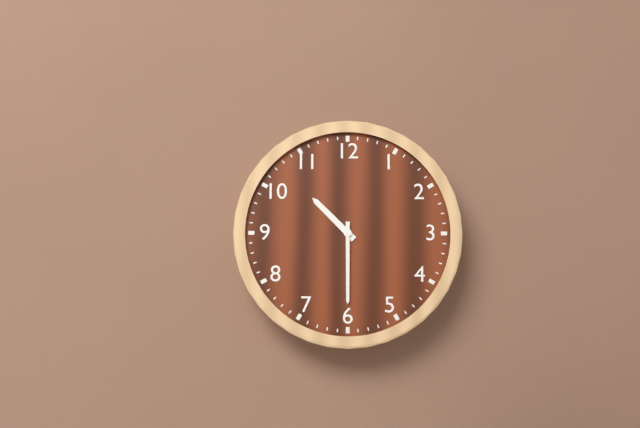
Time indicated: 10:30
